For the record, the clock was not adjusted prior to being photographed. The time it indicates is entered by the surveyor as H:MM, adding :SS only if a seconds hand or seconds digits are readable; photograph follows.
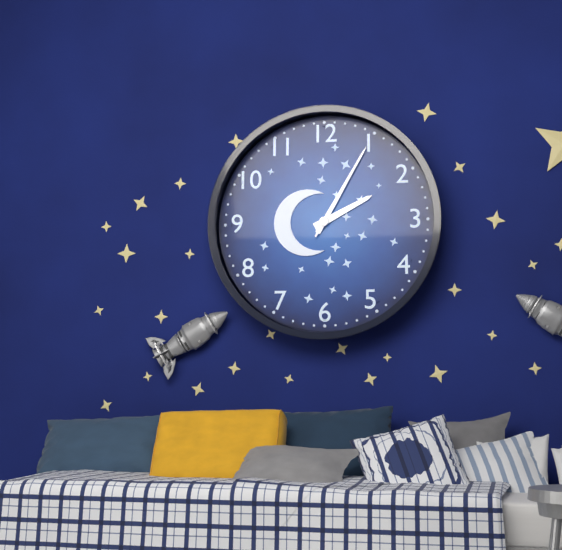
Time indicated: 2:05:05
